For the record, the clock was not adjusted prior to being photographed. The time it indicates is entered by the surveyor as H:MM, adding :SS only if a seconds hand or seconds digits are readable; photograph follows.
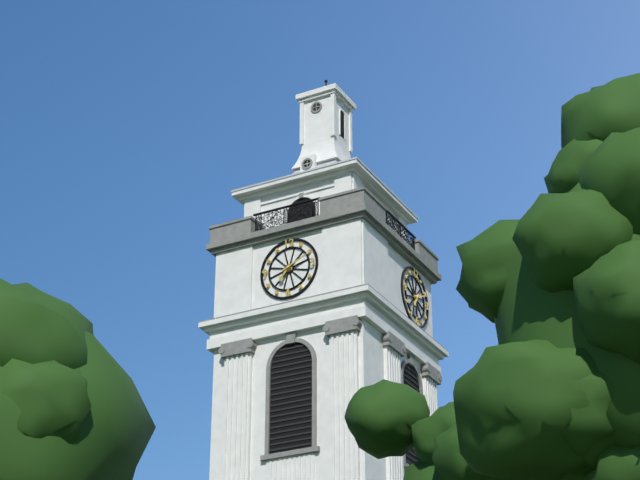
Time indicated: 7:11
